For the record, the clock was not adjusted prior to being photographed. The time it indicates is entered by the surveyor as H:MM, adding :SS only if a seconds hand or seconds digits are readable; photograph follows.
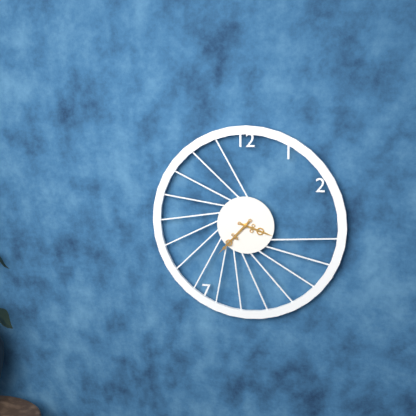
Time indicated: 3:37
